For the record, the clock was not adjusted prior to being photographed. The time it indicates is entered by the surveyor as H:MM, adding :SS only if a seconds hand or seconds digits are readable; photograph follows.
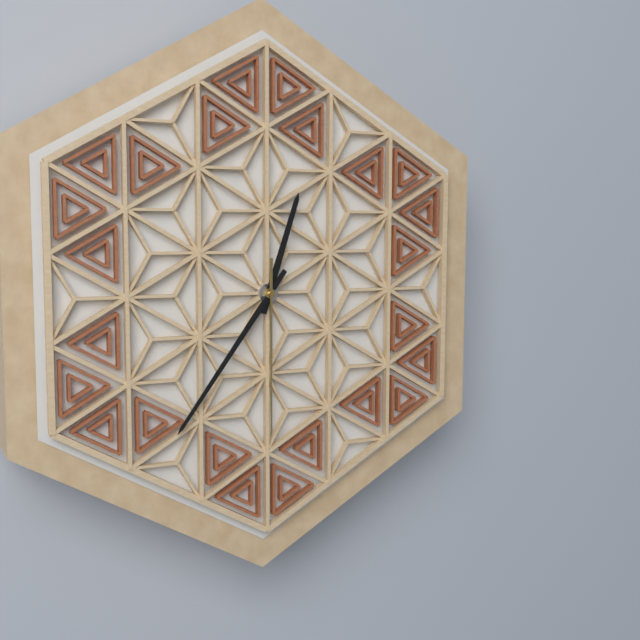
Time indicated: 12:36:30
